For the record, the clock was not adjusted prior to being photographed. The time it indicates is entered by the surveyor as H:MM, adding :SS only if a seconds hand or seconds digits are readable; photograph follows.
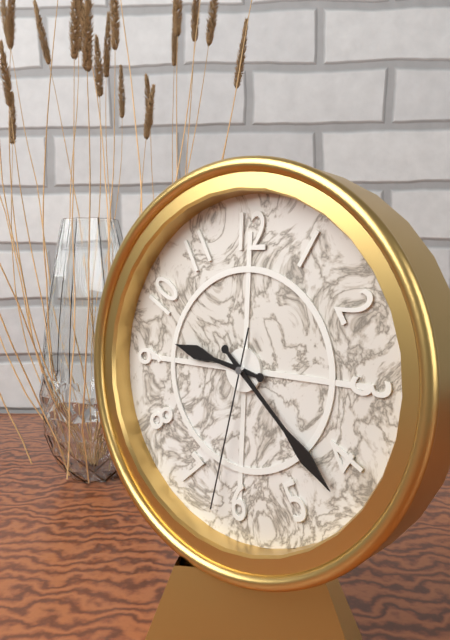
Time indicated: 9:22:32
